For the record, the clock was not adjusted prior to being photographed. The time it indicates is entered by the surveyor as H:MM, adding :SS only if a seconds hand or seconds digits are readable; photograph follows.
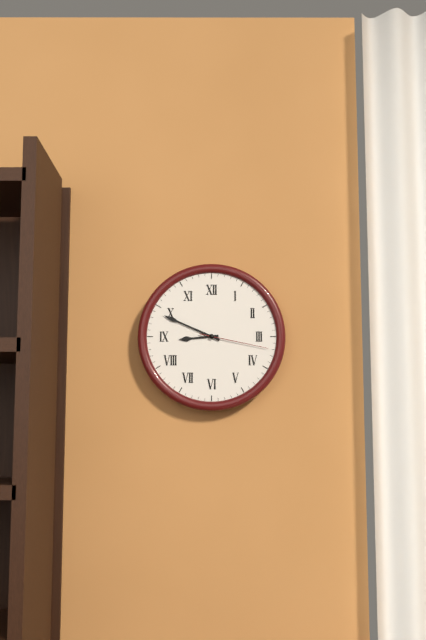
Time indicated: 8:49:17
